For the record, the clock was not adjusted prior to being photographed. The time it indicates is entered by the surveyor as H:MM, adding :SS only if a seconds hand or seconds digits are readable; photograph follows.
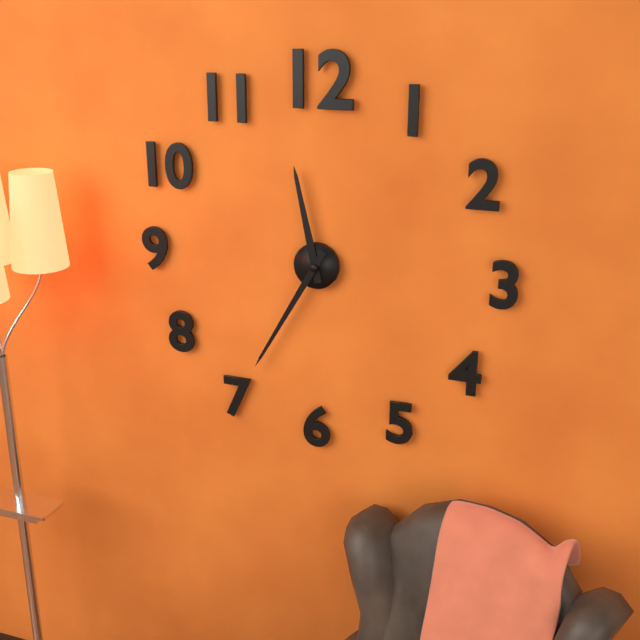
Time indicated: 11:35
